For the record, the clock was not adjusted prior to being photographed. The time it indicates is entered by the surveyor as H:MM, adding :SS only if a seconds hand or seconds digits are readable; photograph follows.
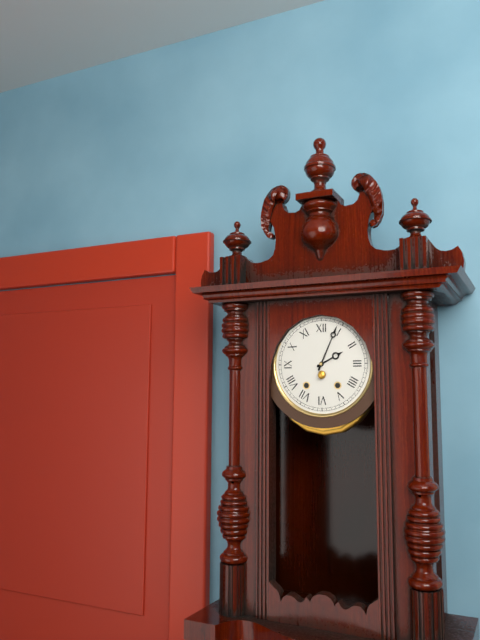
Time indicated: 2:04
